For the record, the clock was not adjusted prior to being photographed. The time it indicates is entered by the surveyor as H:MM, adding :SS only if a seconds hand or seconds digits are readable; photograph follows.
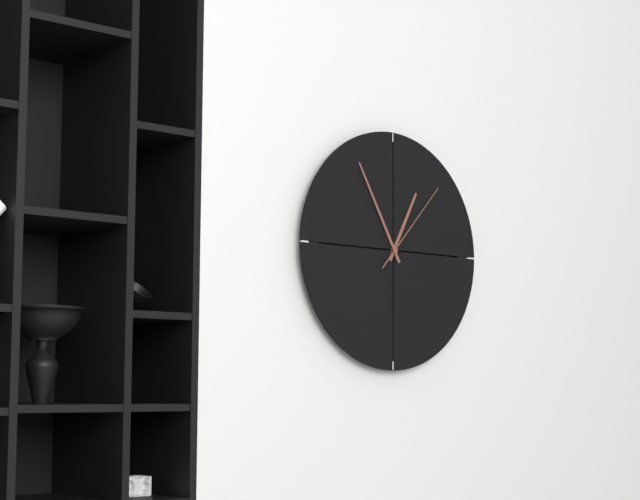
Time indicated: 12:55:07
